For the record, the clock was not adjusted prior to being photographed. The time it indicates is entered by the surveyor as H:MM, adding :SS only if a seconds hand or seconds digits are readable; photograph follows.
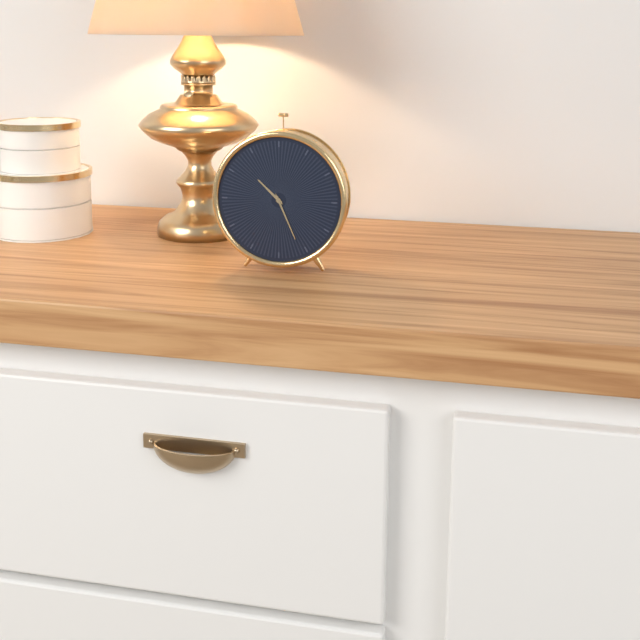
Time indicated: 10:26
